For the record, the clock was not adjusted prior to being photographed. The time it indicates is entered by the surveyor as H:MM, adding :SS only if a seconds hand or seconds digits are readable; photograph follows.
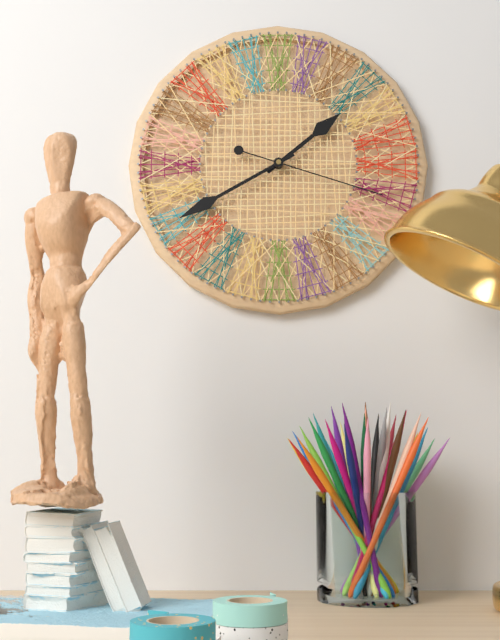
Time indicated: 1:40:18
